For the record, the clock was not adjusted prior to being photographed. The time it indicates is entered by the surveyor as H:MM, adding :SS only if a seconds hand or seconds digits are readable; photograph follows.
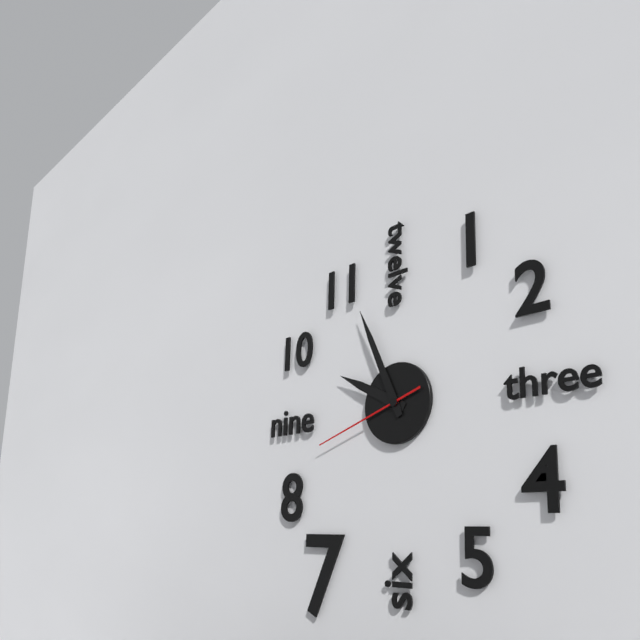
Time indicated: 9:56:42
